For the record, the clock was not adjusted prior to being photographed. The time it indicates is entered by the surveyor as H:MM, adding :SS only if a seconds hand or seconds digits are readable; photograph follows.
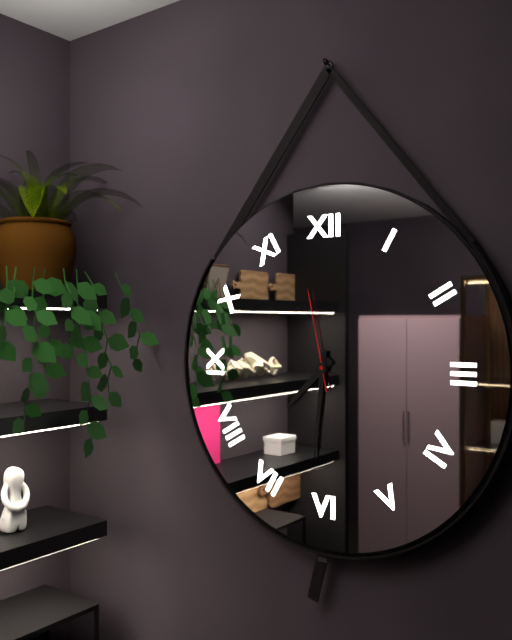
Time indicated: 7:31:58
